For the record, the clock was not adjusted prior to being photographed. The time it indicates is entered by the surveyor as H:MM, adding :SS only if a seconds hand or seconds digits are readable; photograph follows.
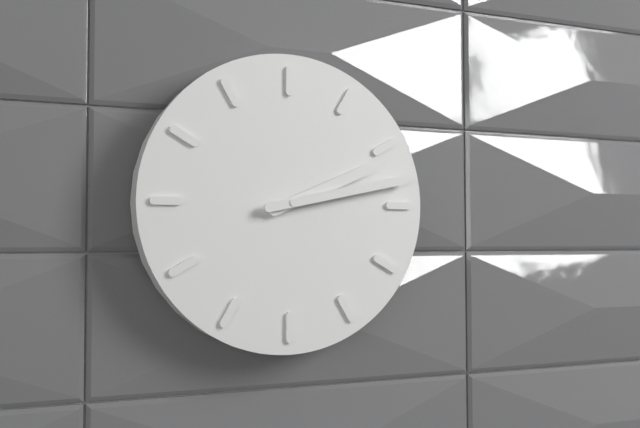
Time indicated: 2:13
